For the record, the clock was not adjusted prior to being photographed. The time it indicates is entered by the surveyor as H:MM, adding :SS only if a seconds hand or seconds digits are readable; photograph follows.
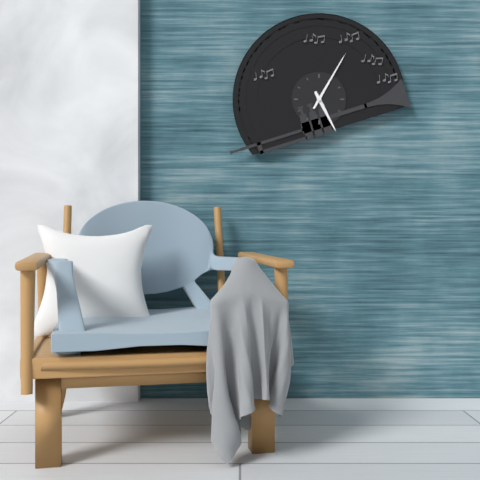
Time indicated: 5:05
